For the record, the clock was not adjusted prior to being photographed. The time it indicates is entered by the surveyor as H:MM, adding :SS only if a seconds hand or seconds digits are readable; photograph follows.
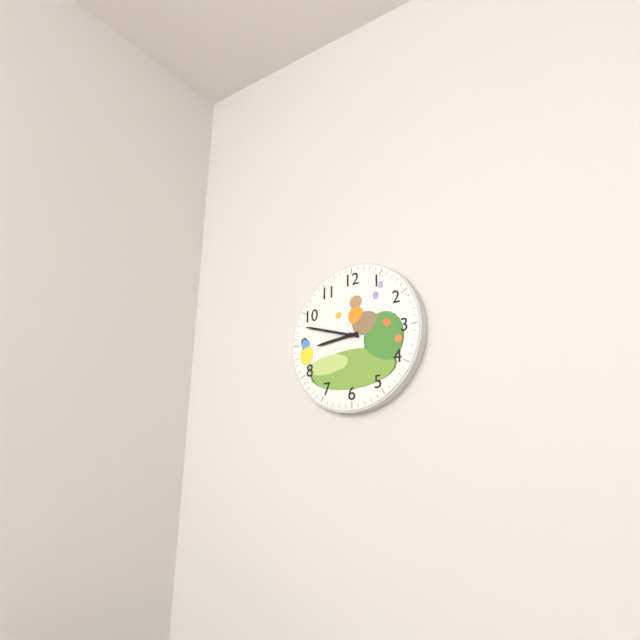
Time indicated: 8:48
